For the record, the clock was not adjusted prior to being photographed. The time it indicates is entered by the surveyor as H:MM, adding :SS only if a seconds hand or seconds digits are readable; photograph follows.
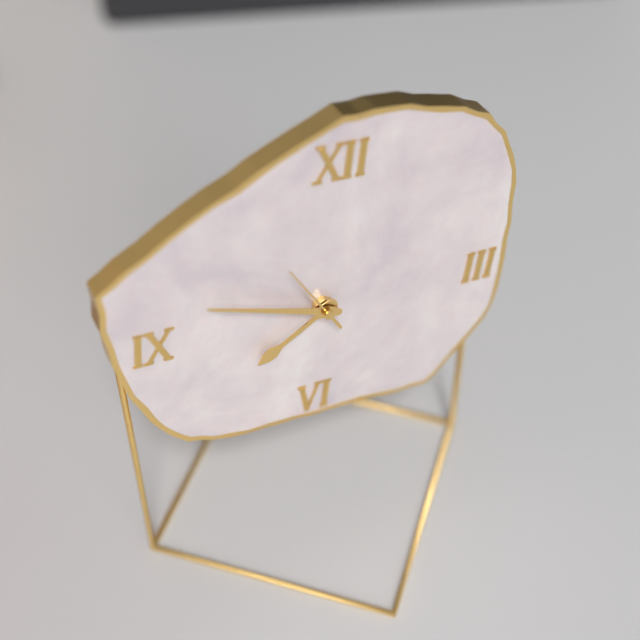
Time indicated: 7:48:54
